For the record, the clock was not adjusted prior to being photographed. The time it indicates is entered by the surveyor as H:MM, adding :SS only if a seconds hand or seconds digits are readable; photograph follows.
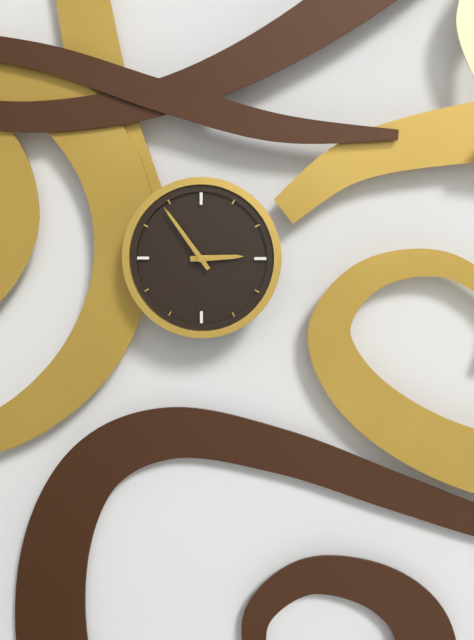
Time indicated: 2:54
